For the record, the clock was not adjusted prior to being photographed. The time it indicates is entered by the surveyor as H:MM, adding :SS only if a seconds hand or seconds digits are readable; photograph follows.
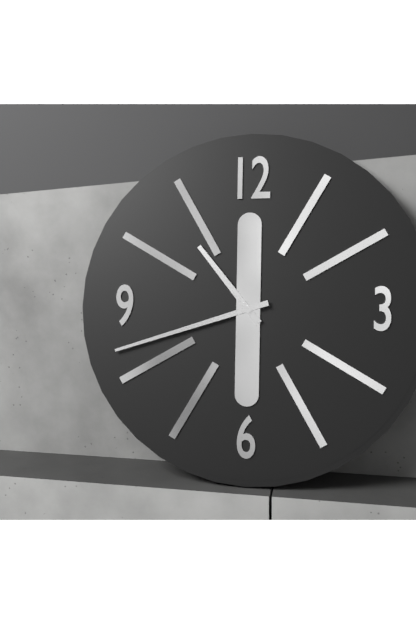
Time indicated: 10:42
